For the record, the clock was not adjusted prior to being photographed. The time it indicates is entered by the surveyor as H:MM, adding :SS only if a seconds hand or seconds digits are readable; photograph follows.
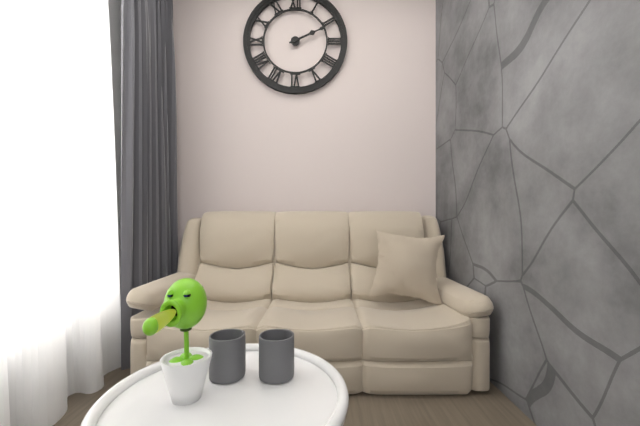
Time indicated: 2:11
